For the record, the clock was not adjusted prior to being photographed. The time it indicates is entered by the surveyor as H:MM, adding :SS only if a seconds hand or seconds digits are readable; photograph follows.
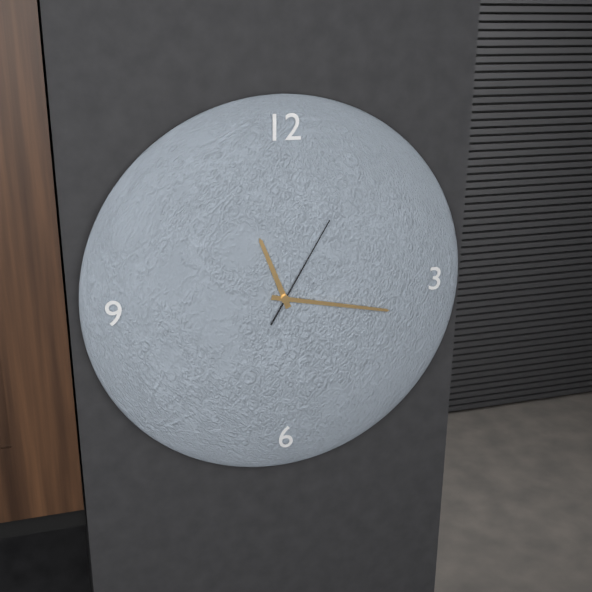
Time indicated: 11:17:05
